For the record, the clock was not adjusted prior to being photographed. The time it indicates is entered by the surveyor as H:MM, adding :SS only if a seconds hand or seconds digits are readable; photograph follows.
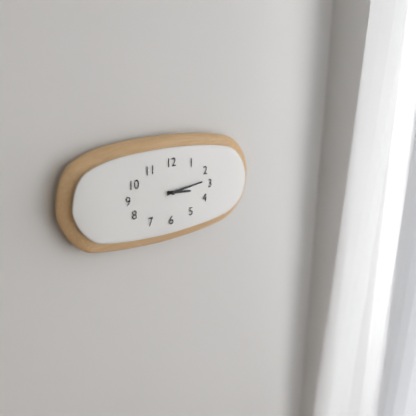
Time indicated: 3:14
